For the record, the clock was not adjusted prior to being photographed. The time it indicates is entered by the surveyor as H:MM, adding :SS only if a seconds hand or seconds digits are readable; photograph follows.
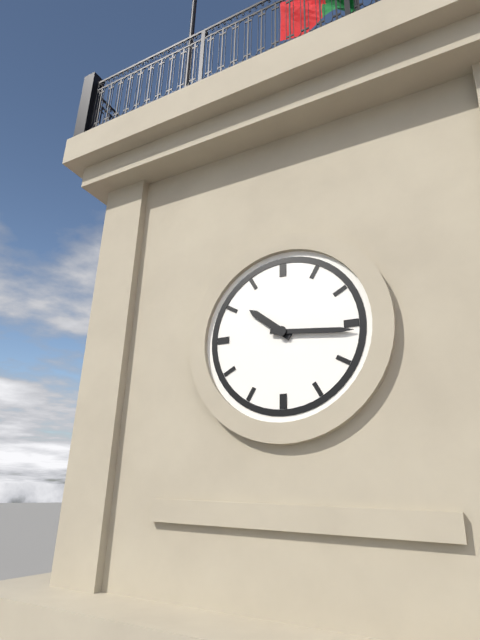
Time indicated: 10:16
